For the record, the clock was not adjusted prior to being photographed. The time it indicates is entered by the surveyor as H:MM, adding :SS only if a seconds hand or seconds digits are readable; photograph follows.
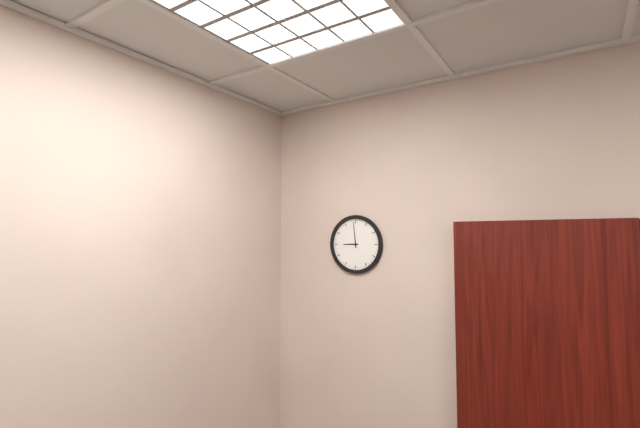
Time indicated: 8:59
